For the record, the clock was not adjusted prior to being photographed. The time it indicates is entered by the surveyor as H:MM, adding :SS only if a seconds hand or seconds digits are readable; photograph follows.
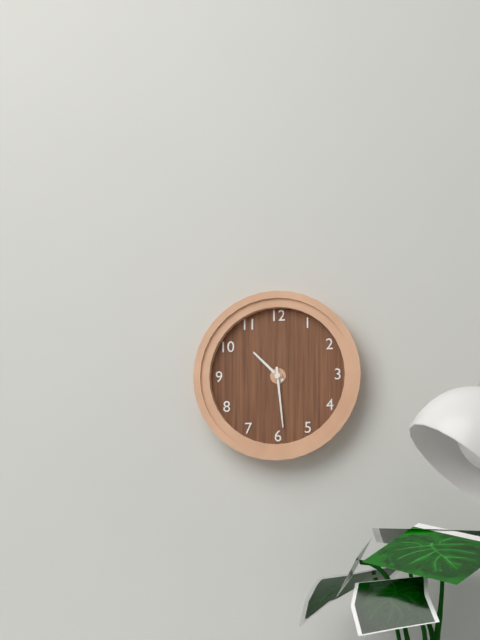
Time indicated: 10:29
